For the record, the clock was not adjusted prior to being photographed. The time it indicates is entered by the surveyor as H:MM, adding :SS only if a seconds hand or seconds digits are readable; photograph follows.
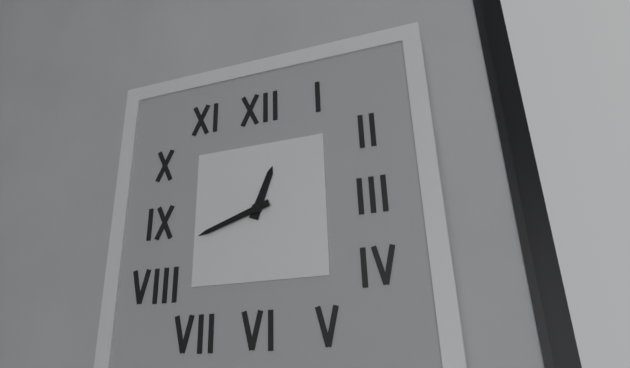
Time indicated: 12:42
